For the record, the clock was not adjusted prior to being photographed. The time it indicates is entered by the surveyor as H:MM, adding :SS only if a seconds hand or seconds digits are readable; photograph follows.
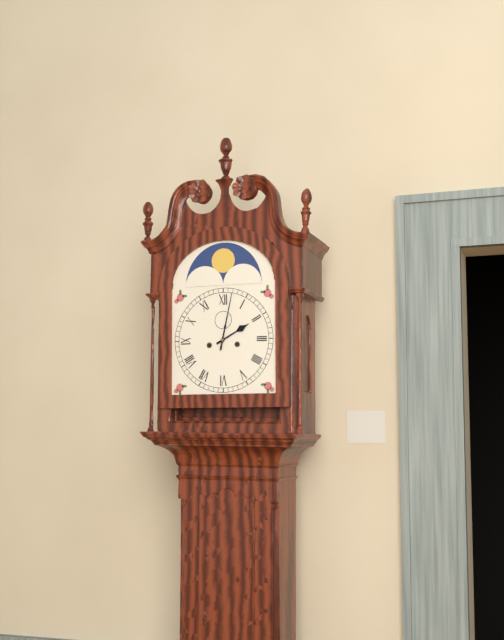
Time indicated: 2:02
